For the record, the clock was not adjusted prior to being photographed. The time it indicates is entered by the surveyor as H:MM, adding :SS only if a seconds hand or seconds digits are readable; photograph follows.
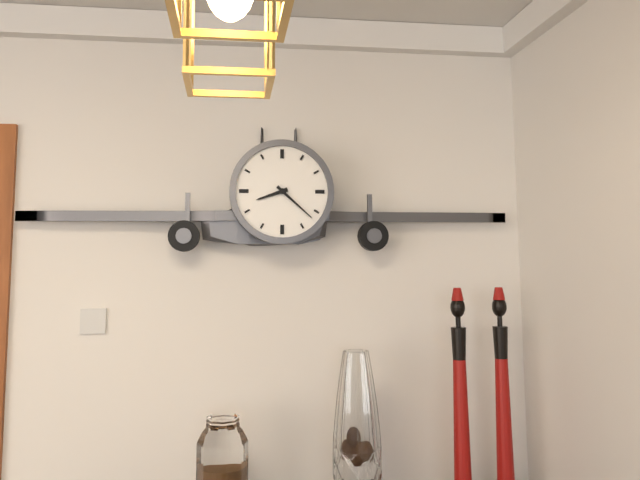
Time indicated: 8:22
